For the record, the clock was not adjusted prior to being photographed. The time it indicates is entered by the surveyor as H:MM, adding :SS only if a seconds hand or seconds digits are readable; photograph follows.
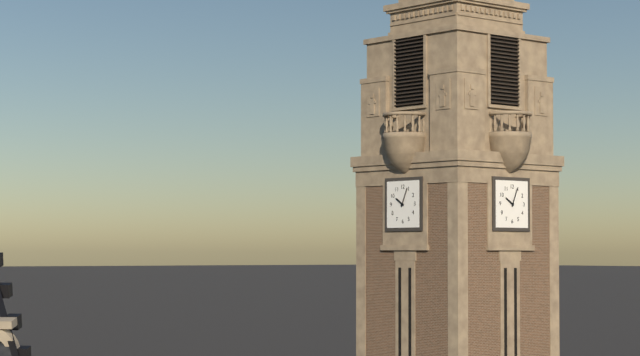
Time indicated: 10:04
